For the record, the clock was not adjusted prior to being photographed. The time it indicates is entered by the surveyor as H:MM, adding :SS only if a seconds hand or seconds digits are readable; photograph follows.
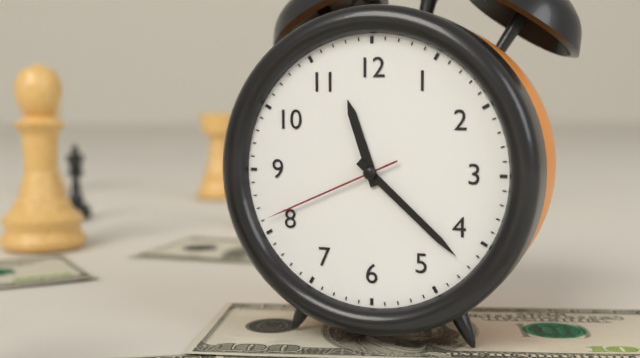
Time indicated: 11:22:41
